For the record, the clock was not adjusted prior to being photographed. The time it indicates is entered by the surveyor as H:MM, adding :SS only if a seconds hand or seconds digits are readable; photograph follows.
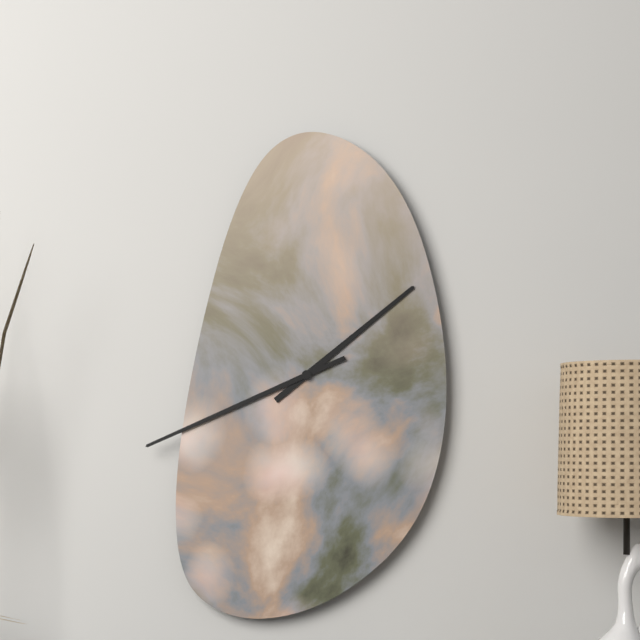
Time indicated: 1:41
